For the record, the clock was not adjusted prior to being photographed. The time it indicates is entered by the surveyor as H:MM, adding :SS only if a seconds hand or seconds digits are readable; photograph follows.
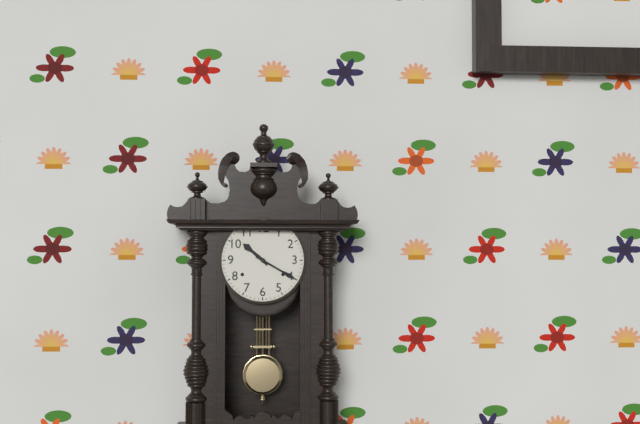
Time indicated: 10:20
